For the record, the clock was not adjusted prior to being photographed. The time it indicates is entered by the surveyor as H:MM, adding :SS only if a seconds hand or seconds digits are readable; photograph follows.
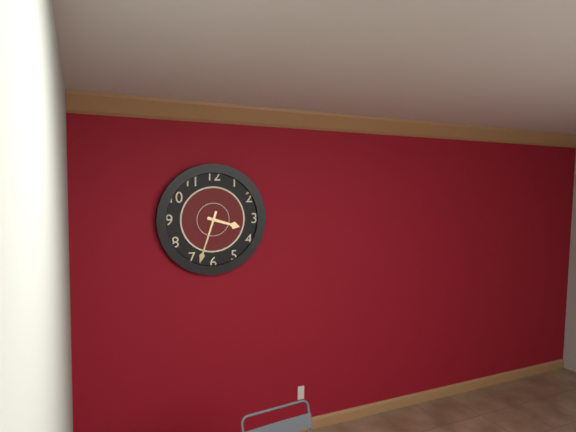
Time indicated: 3:33
